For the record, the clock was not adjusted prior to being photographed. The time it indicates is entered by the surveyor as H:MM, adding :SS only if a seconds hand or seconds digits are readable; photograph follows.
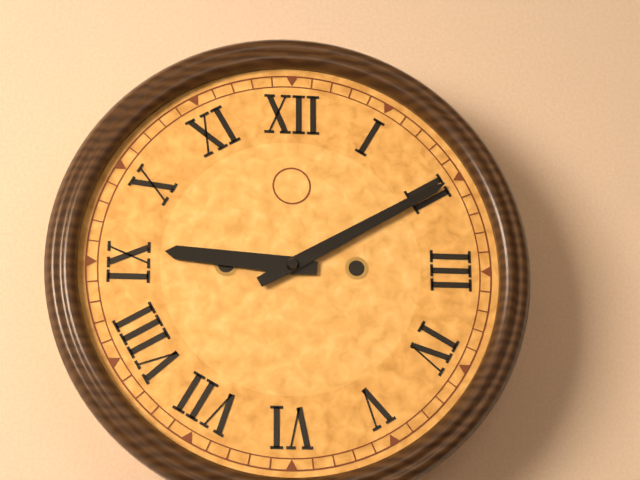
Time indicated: 9:10
